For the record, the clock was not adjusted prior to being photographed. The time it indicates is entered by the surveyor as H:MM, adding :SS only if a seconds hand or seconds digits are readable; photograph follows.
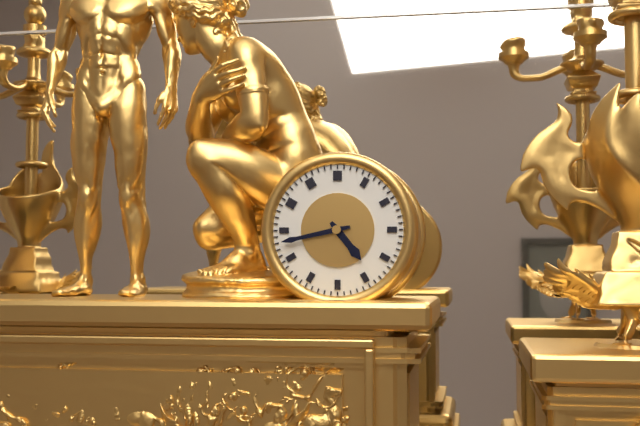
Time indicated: 4:43
